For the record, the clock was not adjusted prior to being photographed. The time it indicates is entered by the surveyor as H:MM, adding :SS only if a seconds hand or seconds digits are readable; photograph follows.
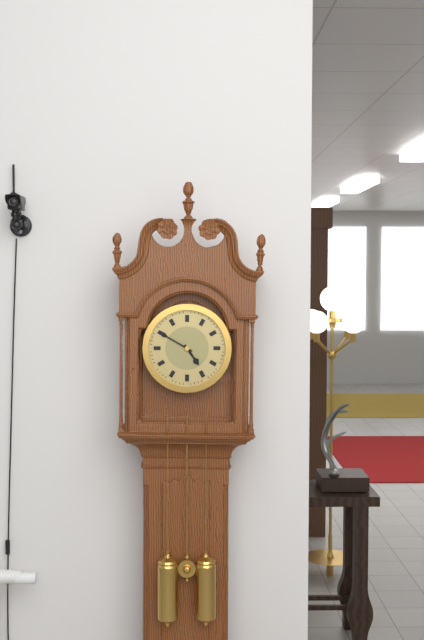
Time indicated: 4:50
